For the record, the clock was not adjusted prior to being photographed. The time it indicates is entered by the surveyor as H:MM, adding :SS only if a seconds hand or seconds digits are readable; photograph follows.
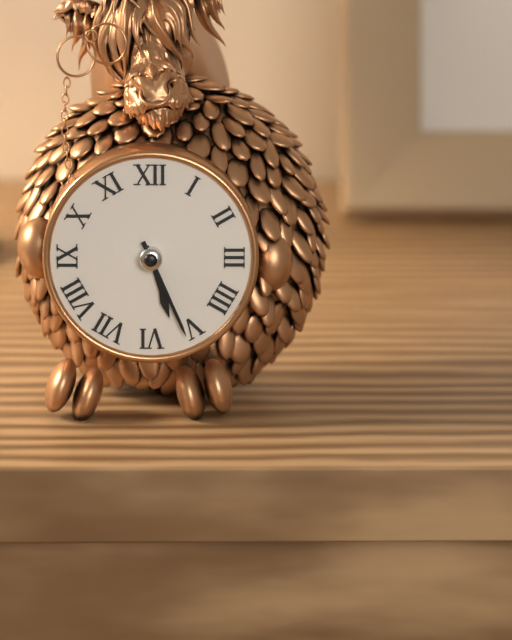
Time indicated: 5:26
